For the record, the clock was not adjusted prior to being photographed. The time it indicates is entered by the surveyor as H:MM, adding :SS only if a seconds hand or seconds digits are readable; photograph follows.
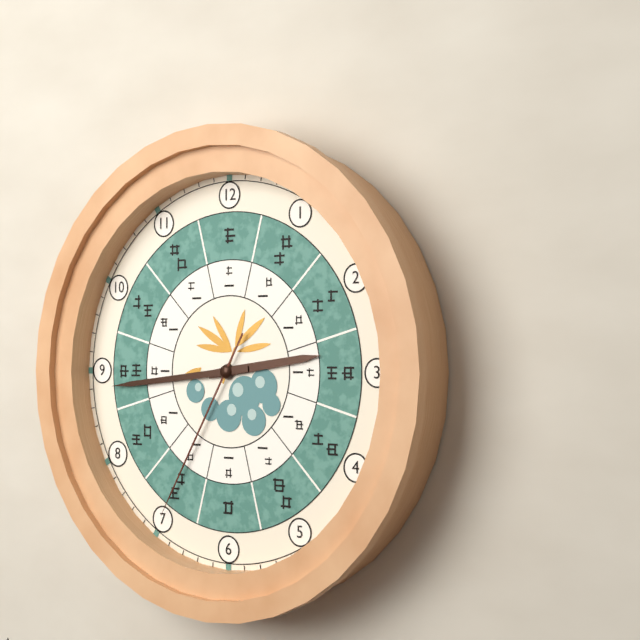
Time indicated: 2:44:35
